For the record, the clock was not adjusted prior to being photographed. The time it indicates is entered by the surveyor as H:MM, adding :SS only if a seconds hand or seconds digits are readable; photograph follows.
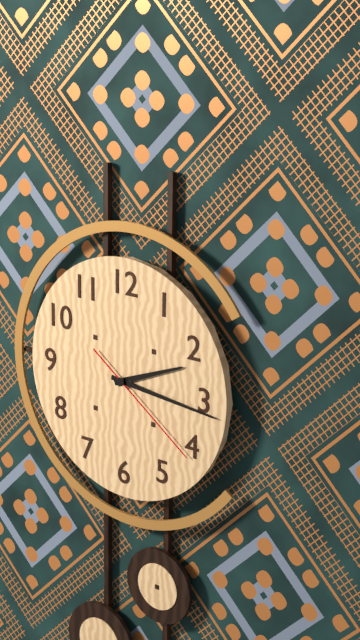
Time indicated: 2:16:21
